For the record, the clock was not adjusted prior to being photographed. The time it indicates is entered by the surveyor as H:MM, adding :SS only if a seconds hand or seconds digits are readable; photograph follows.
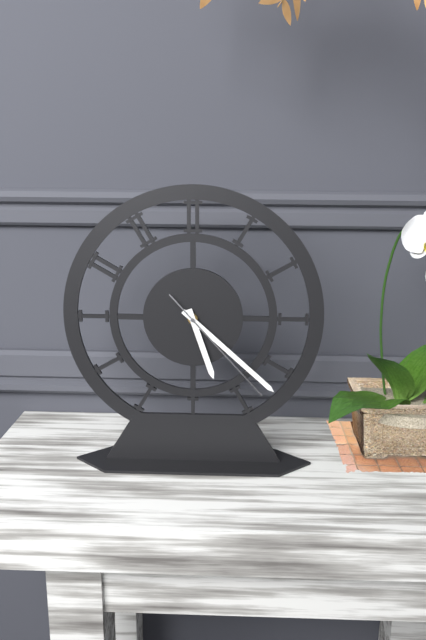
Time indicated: 5:22:23
